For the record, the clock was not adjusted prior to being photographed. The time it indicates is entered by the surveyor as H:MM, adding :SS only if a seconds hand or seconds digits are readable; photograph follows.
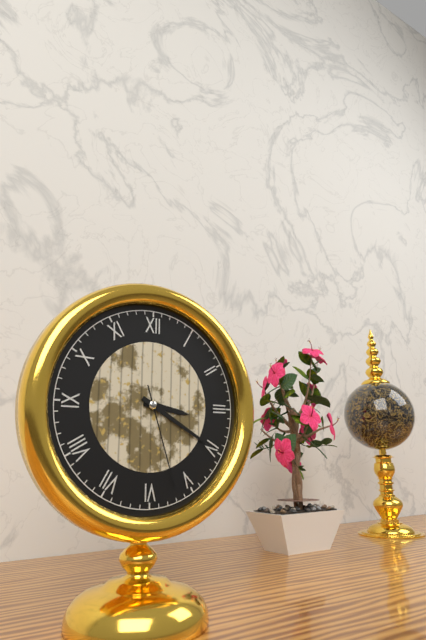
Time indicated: 3:20:27
